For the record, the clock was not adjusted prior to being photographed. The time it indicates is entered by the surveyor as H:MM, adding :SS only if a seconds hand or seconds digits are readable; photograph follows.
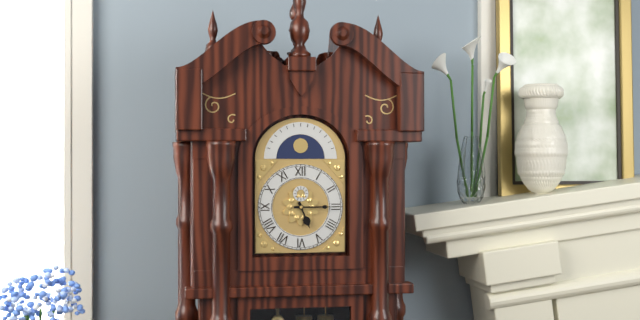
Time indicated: 5:15
